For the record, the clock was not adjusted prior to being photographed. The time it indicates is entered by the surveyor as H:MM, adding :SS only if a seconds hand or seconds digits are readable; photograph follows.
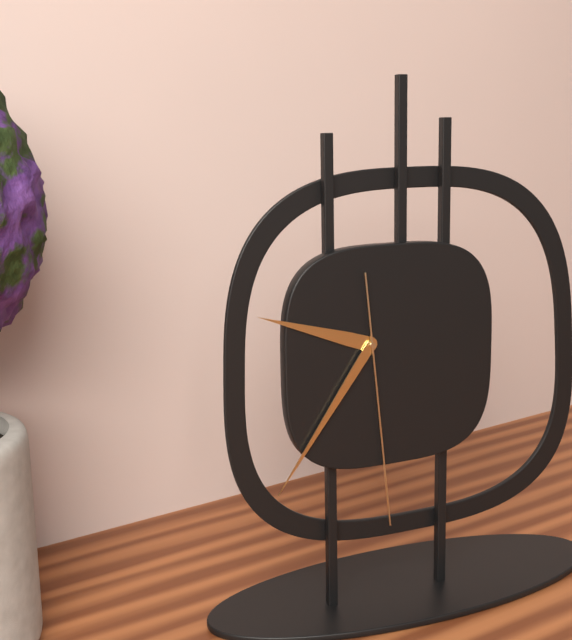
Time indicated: 9:36:29
